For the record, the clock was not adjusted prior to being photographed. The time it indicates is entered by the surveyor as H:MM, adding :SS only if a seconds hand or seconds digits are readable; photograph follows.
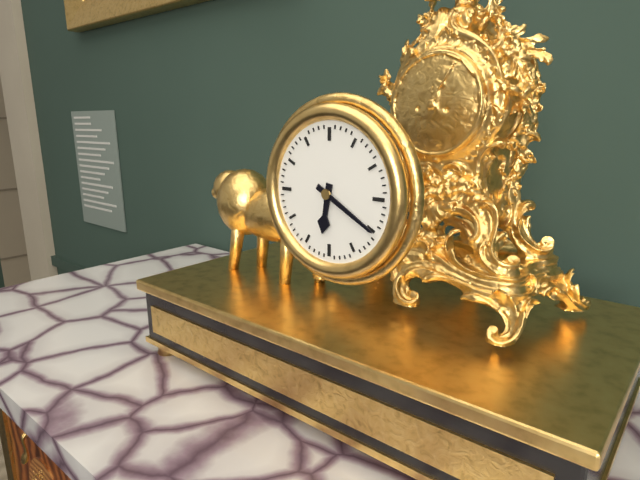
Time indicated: 6:20
